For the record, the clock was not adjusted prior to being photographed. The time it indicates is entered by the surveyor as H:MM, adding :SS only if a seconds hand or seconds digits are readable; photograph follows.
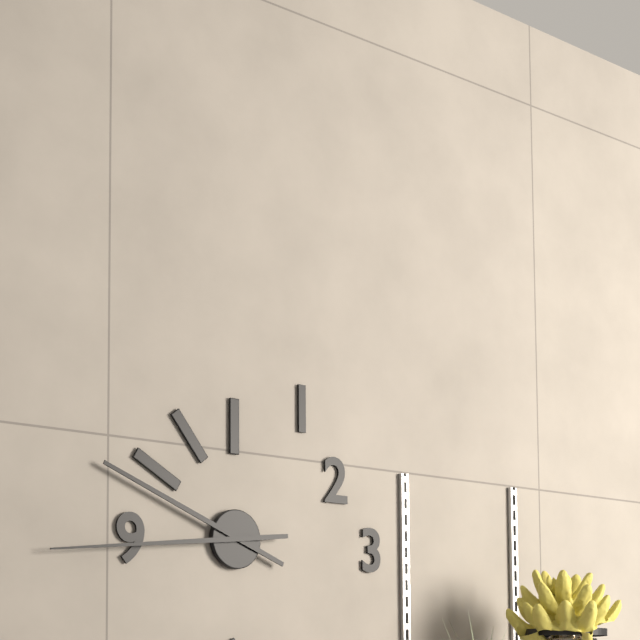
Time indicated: 9:44
